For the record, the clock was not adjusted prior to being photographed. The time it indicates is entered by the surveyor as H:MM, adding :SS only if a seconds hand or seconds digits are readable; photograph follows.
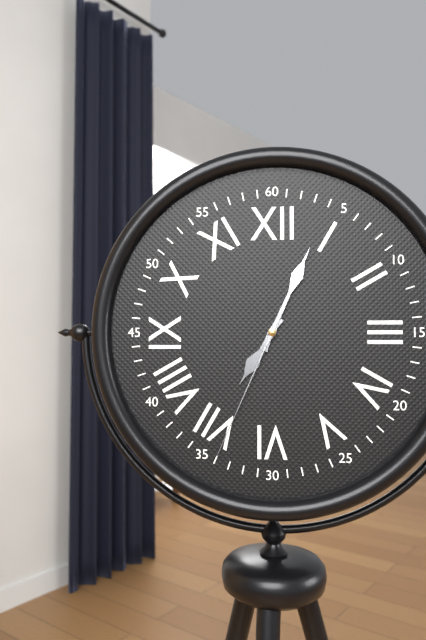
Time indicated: 7:04:34
